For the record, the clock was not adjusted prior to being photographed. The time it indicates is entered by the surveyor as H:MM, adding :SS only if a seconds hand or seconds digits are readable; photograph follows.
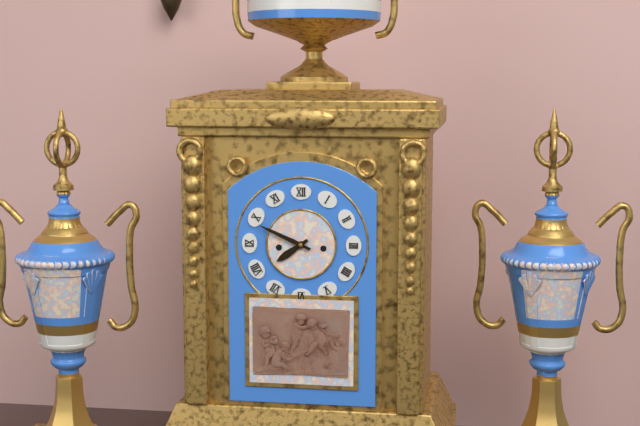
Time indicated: 7:49
